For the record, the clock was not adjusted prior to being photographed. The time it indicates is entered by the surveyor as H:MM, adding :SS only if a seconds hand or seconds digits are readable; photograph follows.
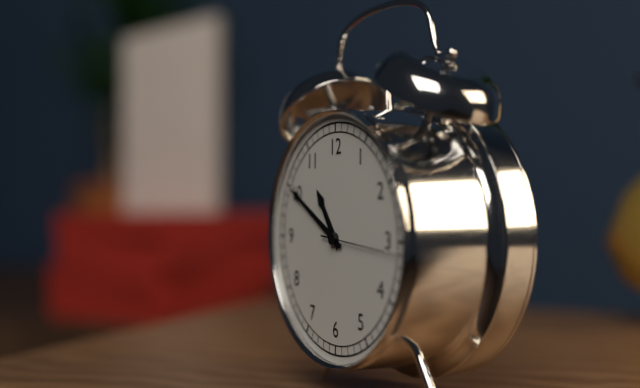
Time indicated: 10:50:16
